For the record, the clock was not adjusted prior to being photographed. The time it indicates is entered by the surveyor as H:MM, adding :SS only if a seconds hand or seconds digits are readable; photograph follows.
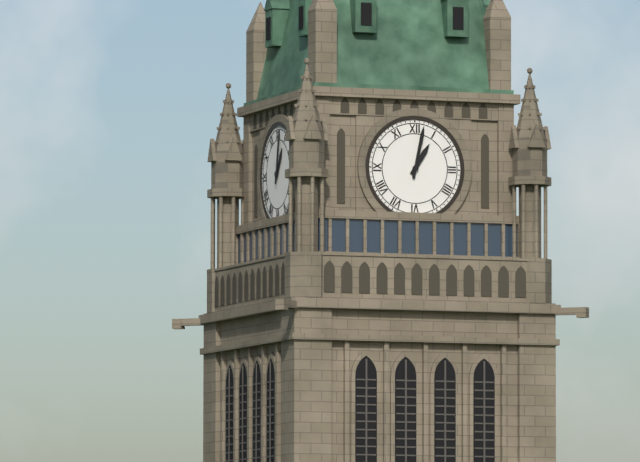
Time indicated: 1:02
